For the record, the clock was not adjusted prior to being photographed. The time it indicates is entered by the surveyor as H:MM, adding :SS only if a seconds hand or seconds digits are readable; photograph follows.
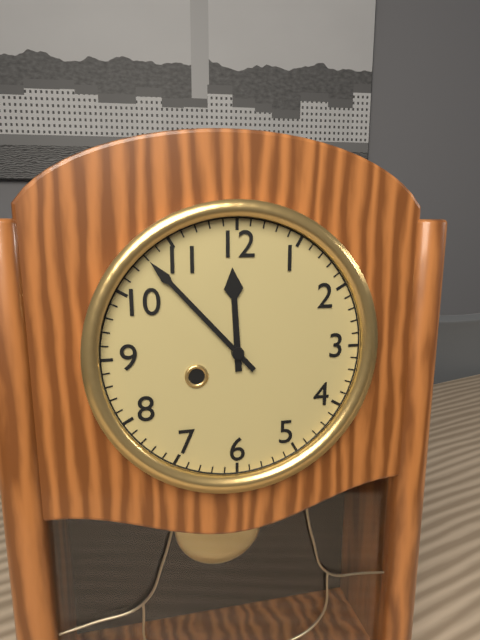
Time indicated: 11:53
